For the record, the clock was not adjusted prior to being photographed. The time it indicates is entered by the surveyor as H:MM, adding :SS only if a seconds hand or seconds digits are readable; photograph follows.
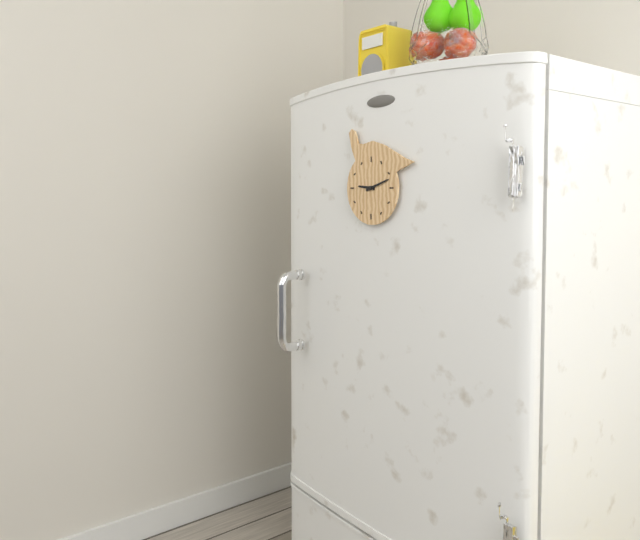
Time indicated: 9:12
